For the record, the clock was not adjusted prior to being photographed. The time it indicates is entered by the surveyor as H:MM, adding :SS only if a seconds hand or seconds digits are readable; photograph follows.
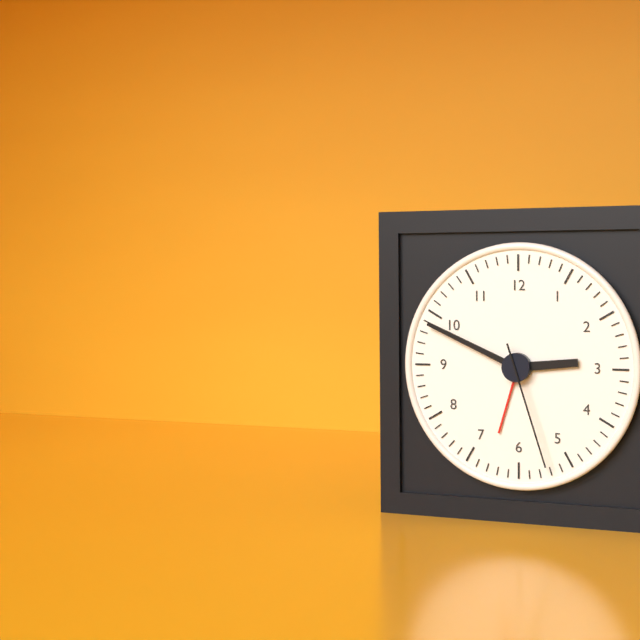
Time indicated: 2:49:27
